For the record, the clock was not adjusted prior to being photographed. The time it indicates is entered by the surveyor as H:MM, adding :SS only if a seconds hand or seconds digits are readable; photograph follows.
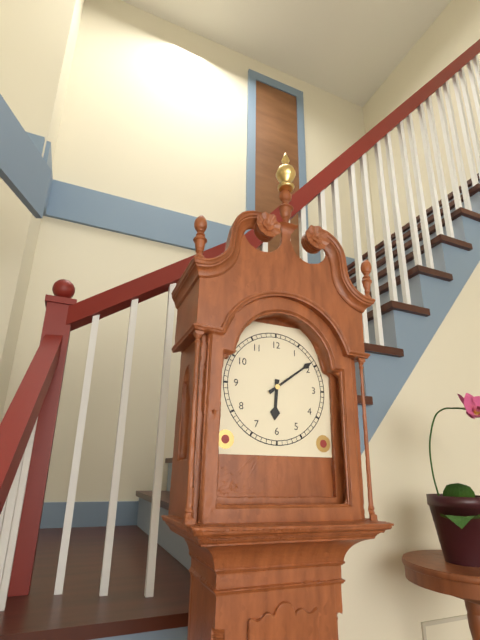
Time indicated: 6:09
